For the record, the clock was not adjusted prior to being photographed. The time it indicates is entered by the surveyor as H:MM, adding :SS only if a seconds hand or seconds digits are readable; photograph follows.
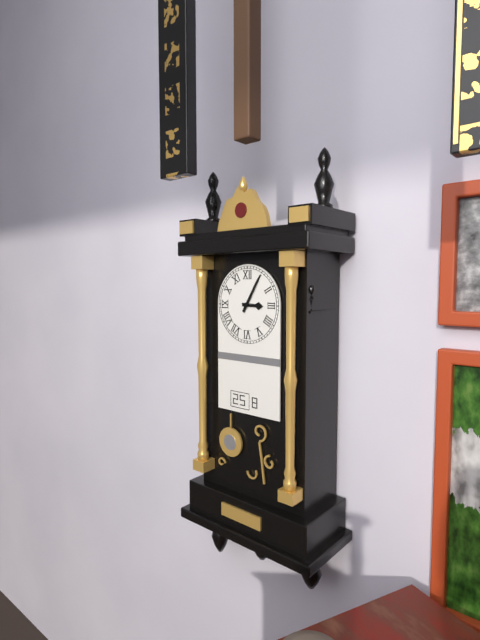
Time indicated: 3:05
